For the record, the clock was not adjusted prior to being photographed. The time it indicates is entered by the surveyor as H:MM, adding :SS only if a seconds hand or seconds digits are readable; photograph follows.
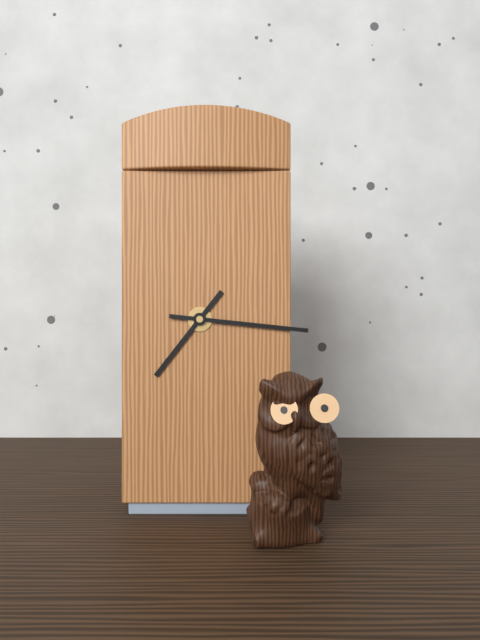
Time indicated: 7:16
